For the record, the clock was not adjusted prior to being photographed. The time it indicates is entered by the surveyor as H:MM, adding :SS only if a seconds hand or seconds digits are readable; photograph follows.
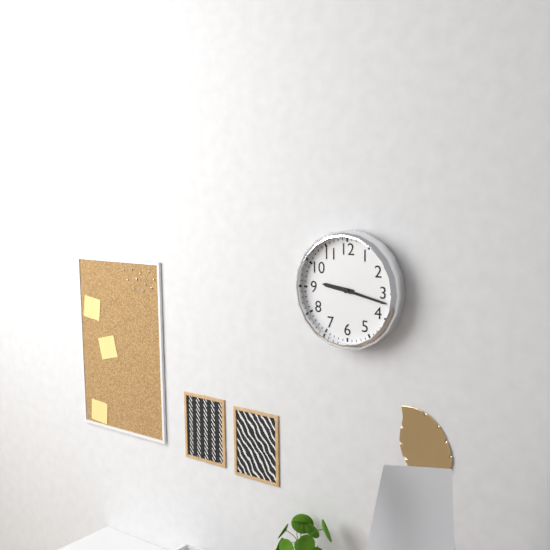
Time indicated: 9:17
